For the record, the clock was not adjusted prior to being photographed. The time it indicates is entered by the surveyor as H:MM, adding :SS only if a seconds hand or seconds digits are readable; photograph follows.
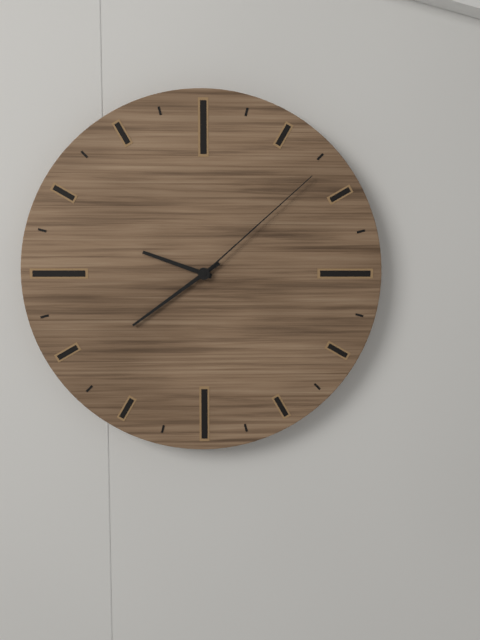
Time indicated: 9:39:08
